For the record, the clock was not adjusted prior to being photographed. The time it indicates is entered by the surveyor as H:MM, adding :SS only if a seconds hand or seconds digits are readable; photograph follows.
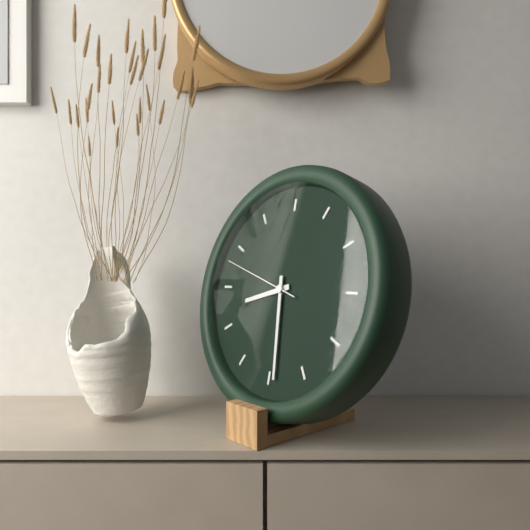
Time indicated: 8:29:48
